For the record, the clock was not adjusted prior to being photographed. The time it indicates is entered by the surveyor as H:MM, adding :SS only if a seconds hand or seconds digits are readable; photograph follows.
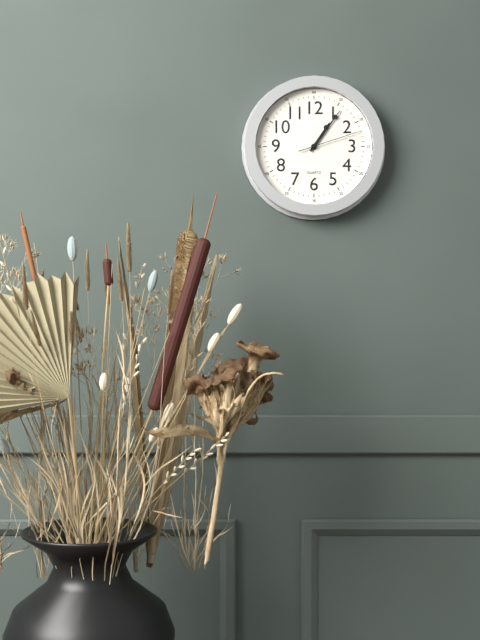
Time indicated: 1:06:12
